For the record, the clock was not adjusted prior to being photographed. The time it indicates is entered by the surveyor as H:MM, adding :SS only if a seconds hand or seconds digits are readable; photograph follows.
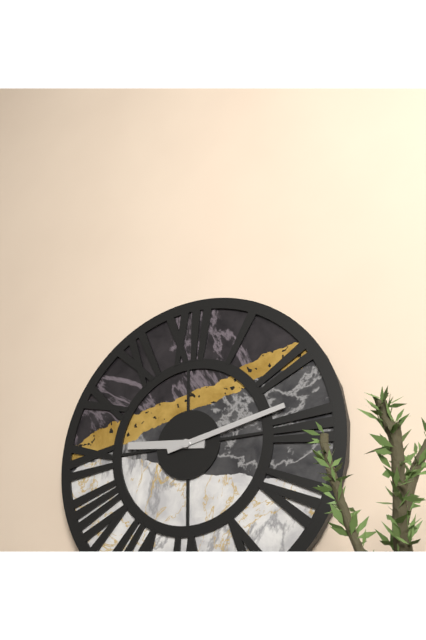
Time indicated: 9:13
